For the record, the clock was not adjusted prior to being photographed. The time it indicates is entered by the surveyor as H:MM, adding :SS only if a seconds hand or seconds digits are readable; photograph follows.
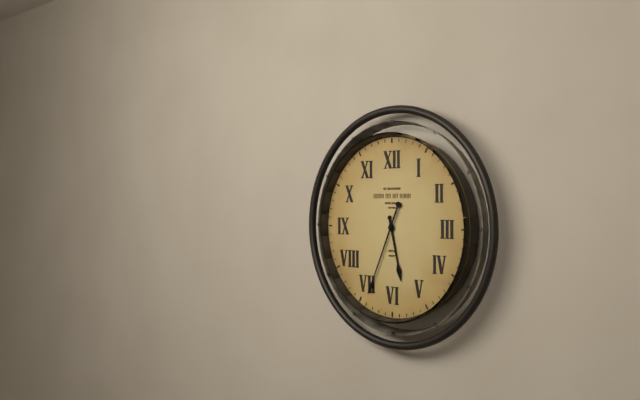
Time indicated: 5:34
